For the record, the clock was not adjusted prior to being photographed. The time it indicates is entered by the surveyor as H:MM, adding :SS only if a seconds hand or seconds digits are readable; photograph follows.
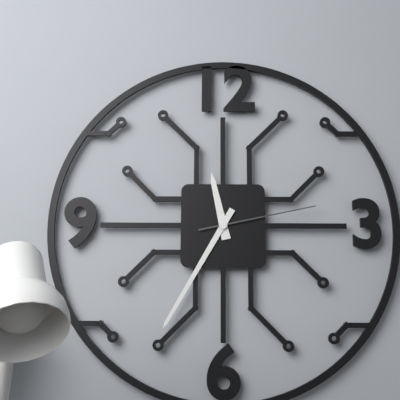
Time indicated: 11:35:13
